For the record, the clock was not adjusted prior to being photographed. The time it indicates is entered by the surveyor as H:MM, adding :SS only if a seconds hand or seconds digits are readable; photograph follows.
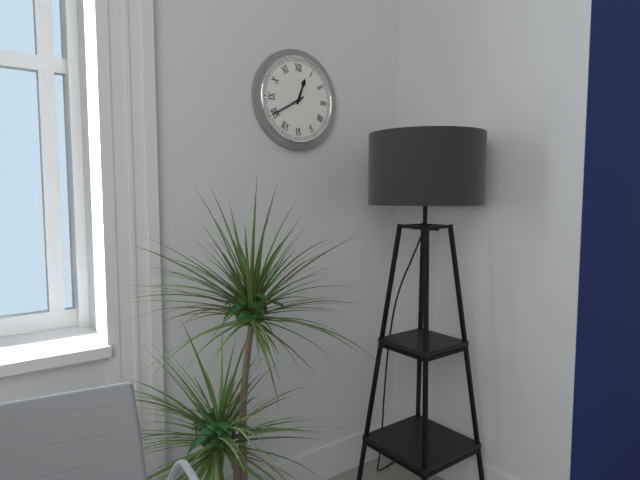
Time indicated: 12:40
